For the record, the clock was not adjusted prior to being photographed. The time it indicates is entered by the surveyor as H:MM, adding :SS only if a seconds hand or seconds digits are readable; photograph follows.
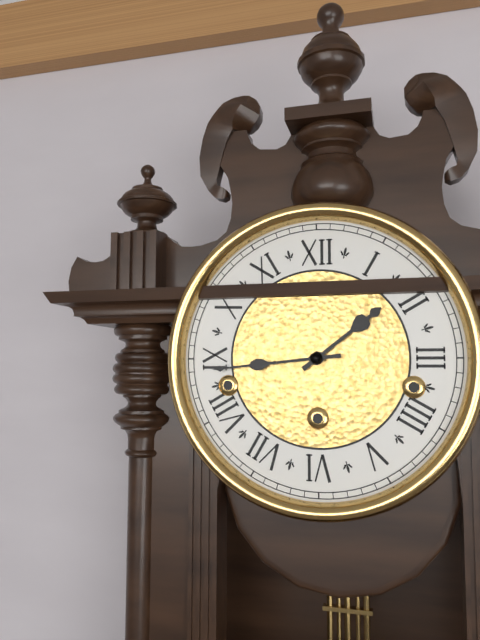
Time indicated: 1:44
